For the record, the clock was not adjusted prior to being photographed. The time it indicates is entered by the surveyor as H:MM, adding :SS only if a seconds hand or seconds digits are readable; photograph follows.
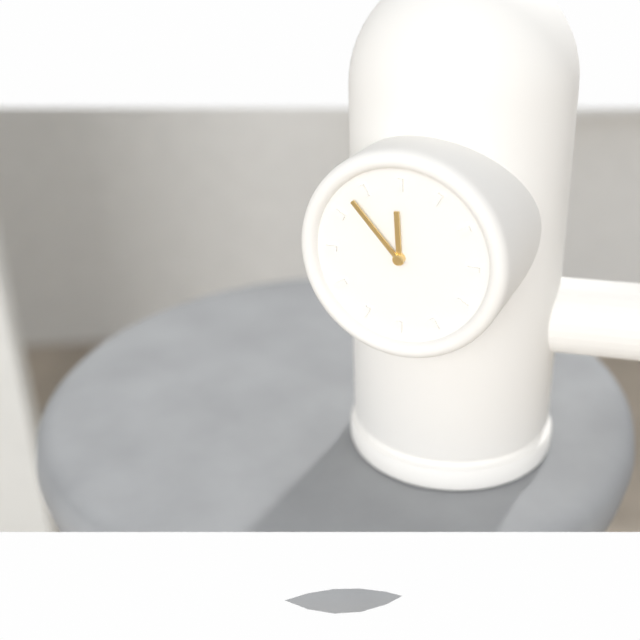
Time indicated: 11:53
